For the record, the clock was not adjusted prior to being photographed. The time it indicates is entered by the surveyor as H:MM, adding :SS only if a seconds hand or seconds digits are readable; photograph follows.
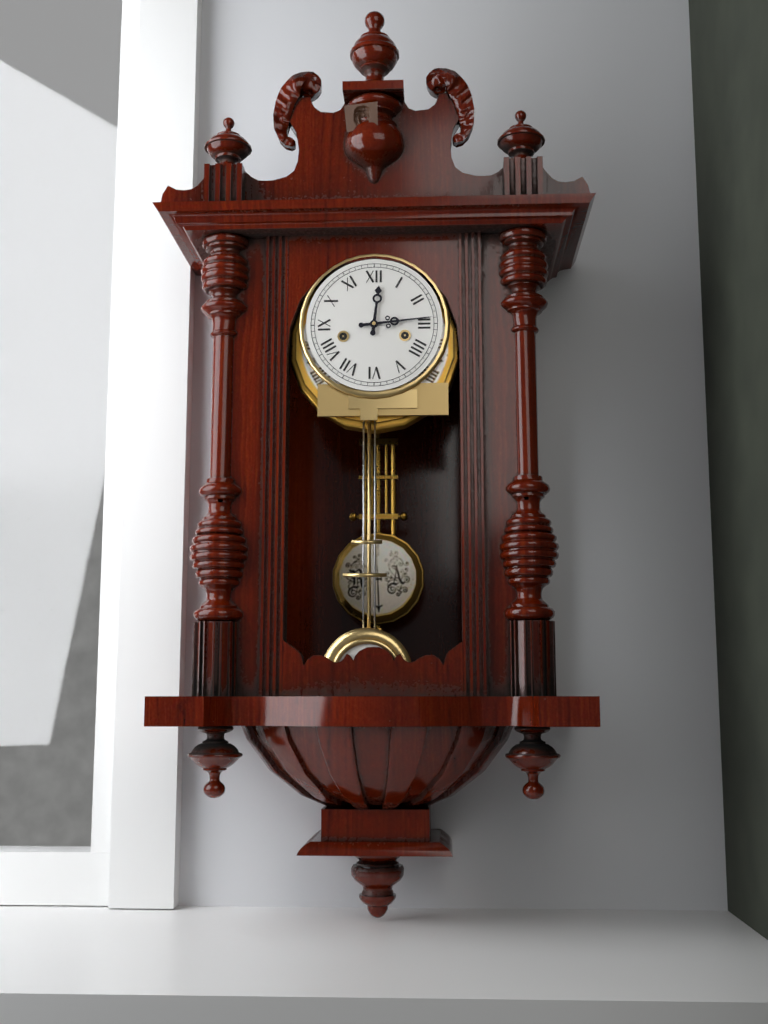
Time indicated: 12:14
